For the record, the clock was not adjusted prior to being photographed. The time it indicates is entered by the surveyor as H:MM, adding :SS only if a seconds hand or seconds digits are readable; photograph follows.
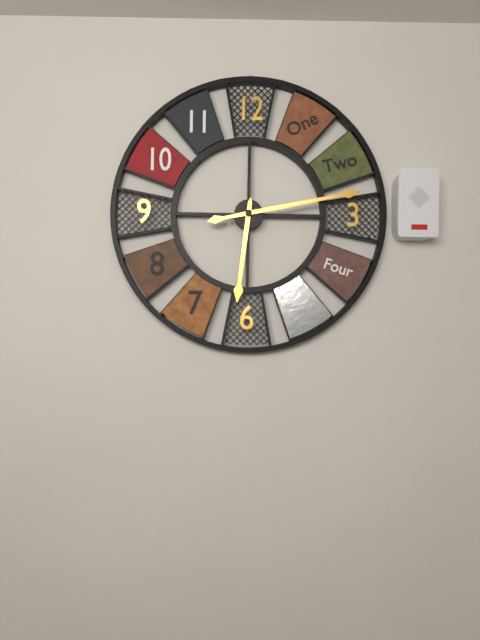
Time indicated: 6:13
